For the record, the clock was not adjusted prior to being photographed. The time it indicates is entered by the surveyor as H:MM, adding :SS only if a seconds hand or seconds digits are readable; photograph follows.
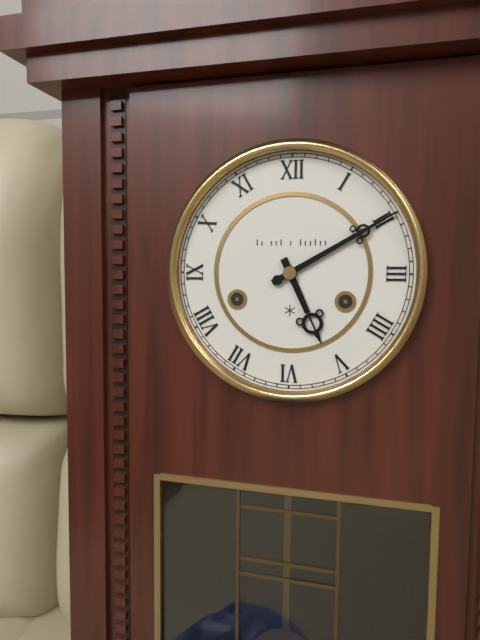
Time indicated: 5:10
